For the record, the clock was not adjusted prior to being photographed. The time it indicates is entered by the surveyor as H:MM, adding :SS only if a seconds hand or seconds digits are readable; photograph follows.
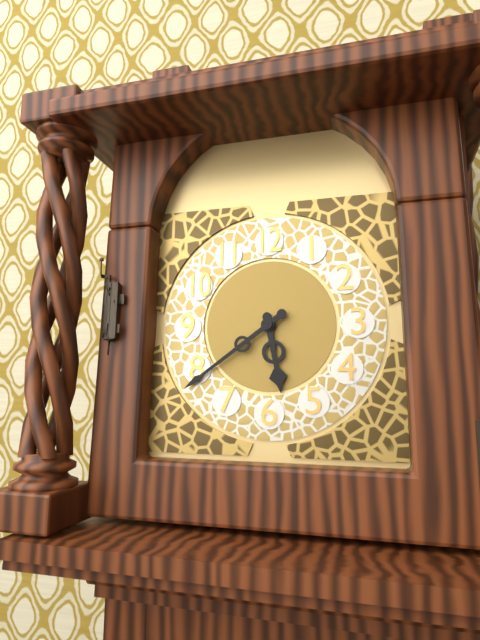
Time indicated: 5:39
